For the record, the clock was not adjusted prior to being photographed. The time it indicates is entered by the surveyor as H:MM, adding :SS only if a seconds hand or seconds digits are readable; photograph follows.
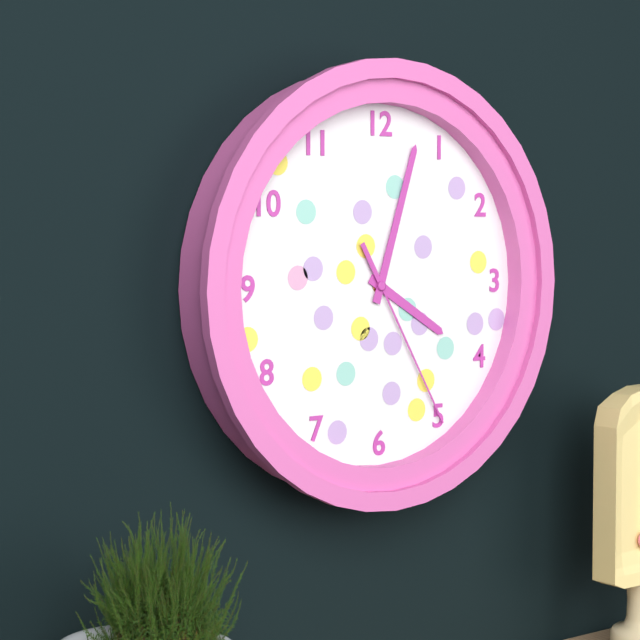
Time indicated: 4:03:25
